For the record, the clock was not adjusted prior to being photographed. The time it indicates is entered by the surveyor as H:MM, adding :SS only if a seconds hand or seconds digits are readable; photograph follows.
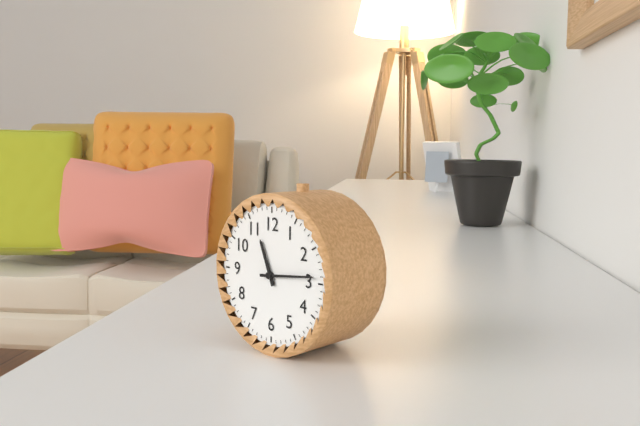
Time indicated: 11:14
